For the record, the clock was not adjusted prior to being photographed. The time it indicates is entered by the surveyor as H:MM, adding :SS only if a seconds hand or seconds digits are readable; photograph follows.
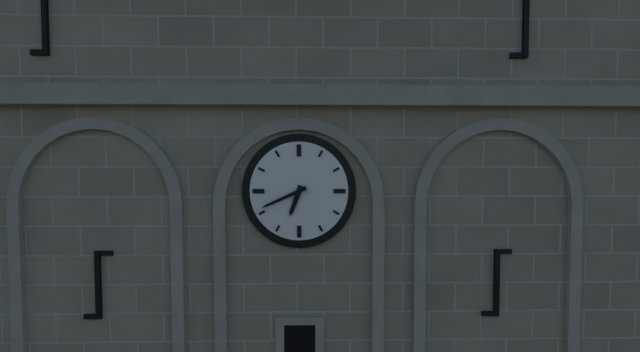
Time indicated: 6:41
